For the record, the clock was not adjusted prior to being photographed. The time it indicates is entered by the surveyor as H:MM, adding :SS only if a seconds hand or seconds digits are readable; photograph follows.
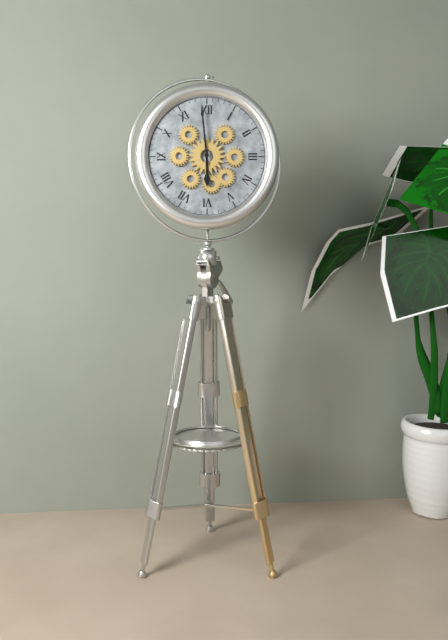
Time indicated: 5:59
